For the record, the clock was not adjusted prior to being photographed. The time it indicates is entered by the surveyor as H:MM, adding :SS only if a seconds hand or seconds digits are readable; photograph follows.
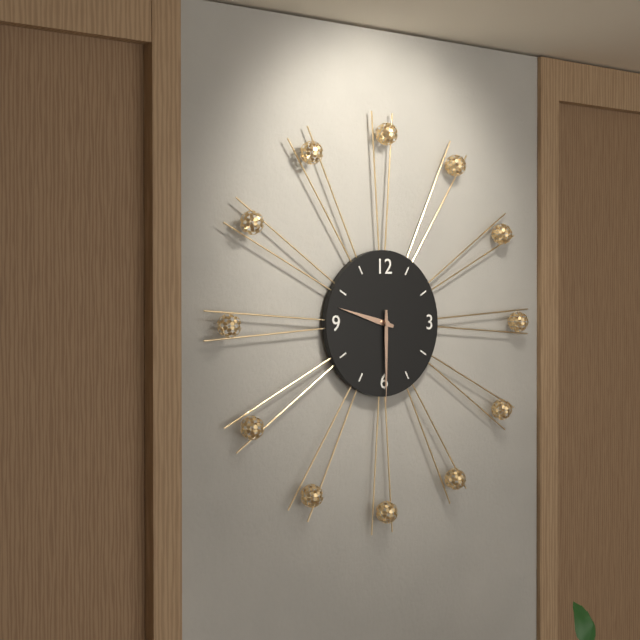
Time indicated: 9:30
